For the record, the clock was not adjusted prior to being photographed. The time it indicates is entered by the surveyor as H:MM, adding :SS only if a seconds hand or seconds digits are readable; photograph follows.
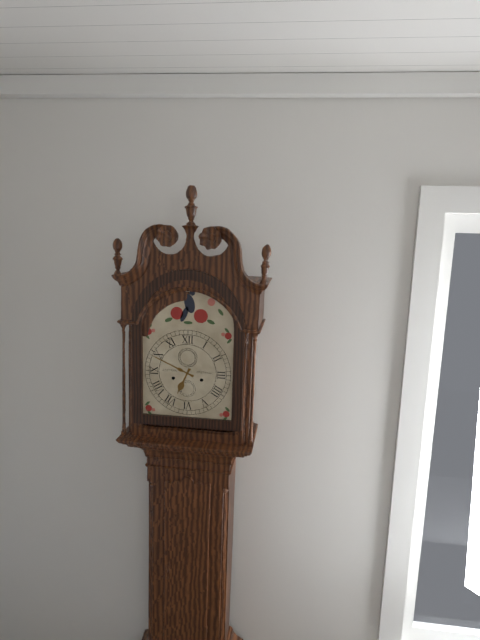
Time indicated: 6:49
